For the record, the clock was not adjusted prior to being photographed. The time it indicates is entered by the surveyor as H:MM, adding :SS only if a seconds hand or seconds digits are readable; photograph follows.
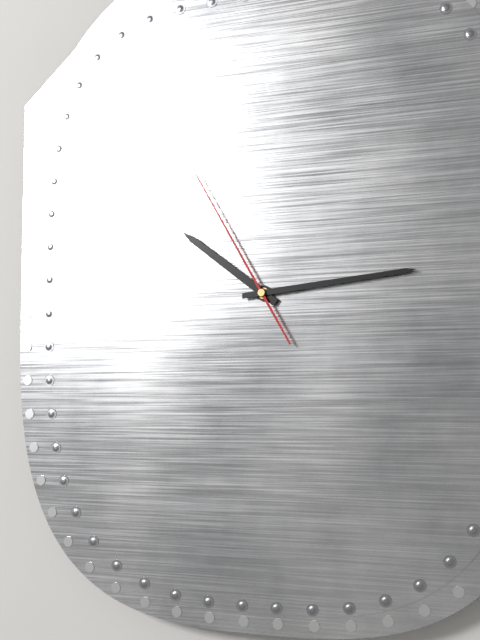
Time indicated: 10:14:55
